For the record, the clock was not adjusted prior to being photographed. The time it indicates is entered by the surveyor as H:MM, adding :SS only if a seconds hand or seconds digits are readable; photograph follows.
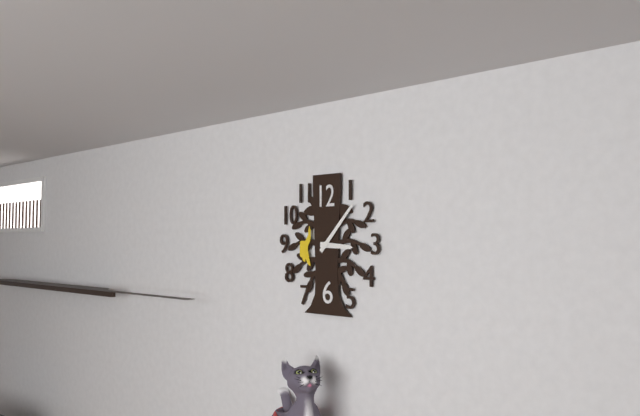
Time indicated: 3:07
